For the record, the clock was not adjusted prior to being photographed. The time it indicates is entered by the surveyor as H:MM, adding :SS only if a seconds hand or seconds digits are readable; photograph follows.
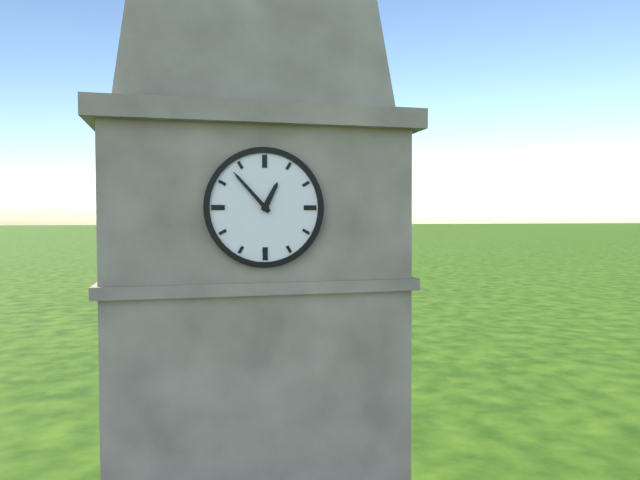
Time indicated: 12:53
